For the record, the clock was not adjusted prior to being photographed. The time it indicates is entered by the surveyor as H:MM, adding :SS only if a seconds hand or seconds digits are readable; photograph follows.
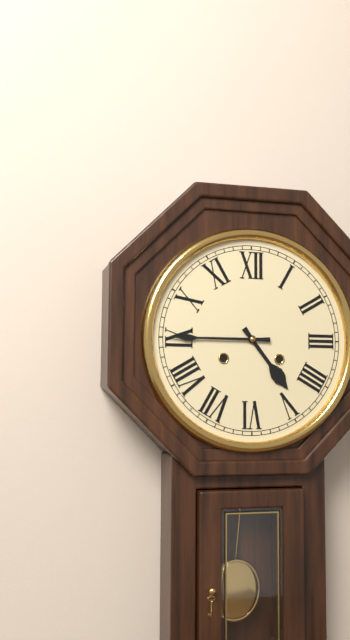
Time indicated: 4:45
